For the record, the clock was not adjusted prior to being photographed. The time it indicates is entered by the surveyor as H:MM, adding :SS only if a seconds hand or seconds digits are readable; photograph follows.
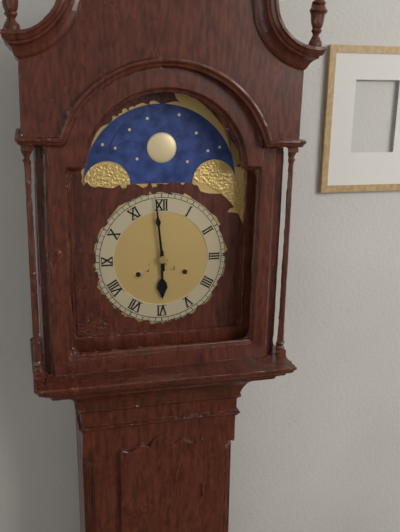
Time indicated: 5:59
